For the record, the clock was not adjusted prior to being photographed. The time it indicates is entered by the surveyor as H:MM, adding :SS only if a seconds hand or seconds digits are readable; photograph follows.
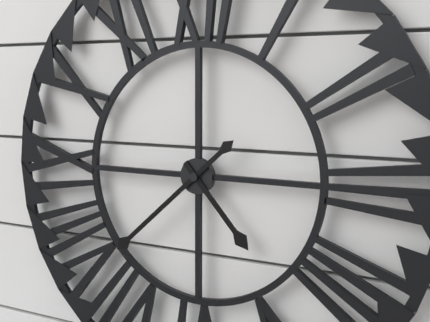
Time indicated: 4:38
